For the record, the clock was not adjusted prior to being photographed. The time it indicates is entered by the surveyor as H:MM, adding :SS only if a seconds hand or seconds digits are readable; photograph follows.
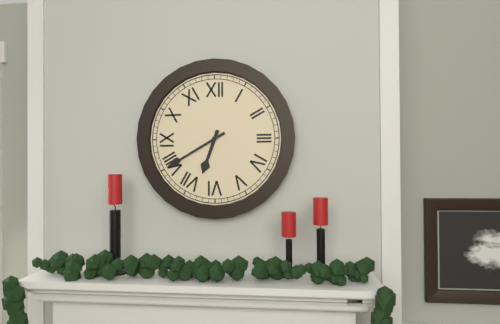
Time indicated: 6:40
